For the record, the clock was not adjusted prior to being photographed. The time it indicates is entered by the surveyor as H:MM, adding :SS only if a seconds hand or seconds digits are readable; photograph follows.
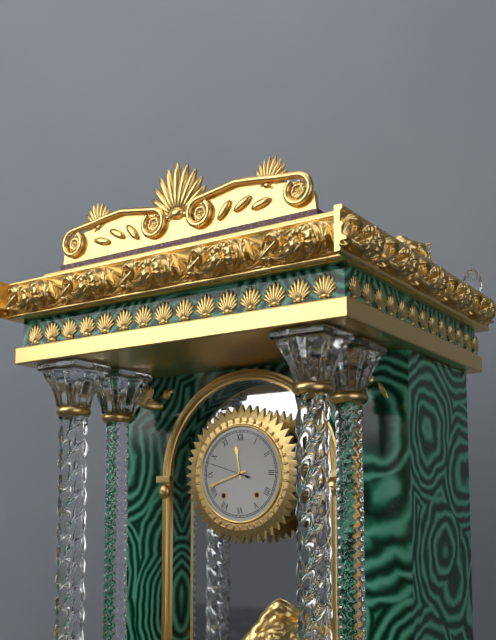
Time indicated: 11:42
